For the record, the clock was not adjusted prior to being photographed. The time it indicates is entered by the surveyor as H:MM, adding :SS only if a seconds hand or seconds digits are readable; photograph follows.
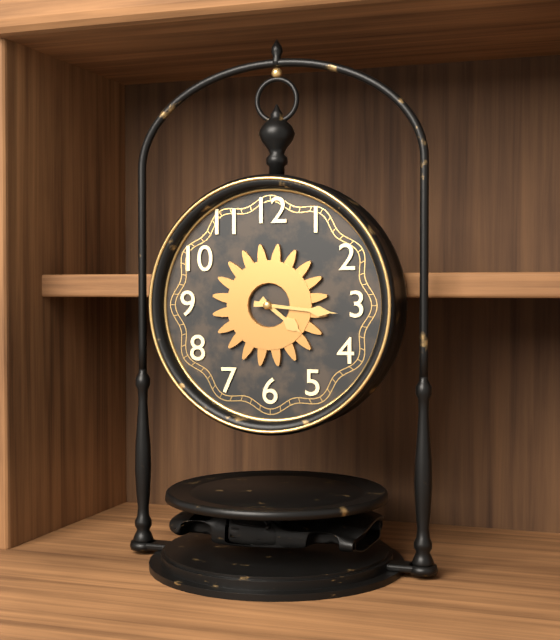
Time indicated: 4:16
